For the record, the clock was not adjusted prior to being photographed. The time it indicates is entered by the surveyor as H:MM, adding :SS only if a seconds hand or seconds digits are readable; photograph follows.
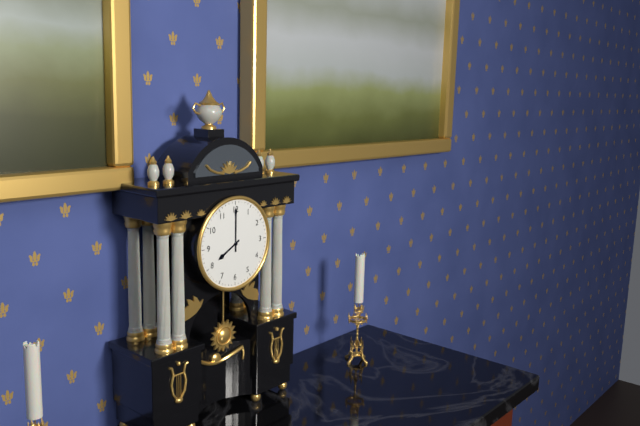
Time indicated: 8:00
